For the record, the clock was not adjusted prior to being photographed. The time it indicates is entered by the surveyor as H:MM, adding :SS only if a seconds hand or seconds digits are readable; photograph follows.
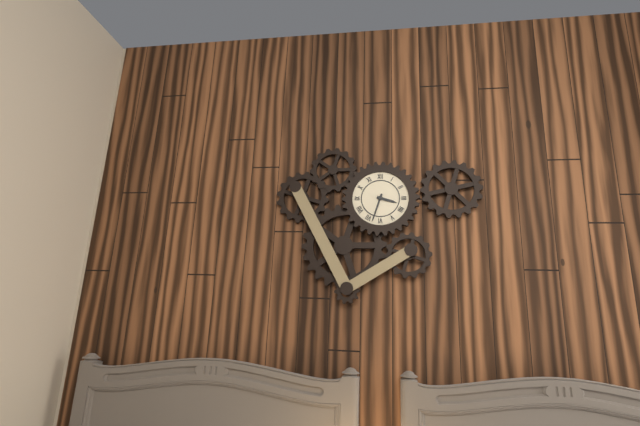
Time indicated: 3:33
